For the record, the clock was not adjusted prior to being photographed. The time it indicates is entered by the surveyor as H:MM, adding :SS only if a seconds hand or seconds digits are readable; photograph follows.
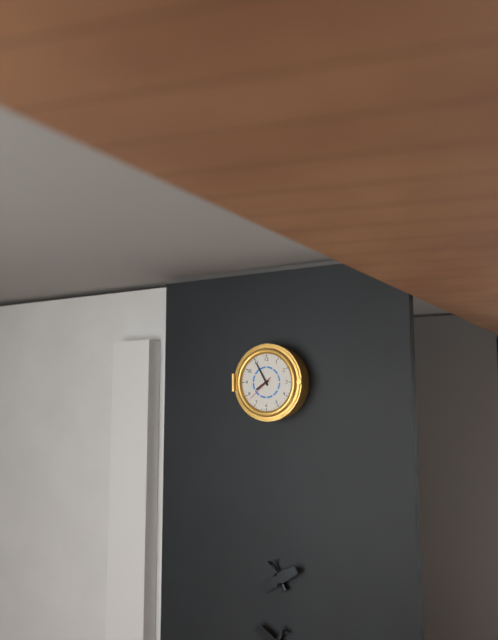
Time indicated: 7:55
